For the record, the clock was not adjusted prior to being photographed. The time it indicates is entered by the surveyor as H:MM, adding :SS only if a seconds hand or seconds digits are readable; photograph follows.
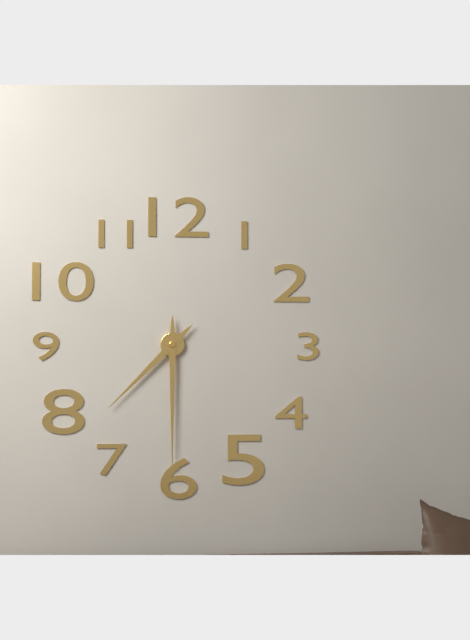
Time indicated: 7:30
